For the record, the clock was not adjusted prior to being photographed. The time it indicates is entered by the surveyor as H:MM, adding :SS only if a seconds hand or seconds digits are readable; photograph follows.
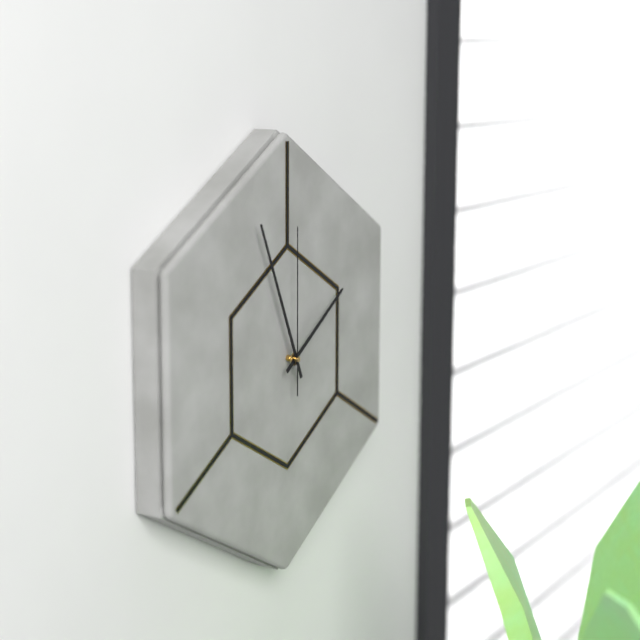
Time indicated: 1:56:00
